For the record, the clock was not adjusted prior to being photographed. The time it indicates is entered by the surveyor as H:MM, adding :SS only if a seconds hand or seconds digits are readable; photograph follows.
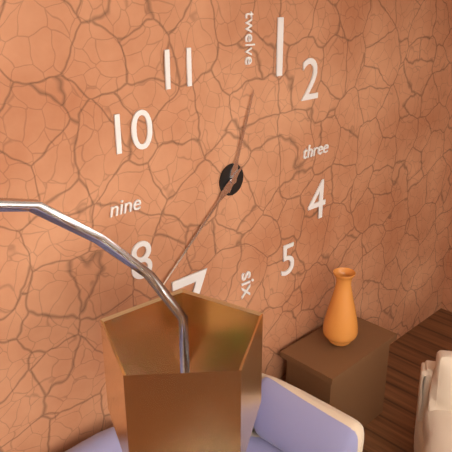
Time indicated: 12:38
